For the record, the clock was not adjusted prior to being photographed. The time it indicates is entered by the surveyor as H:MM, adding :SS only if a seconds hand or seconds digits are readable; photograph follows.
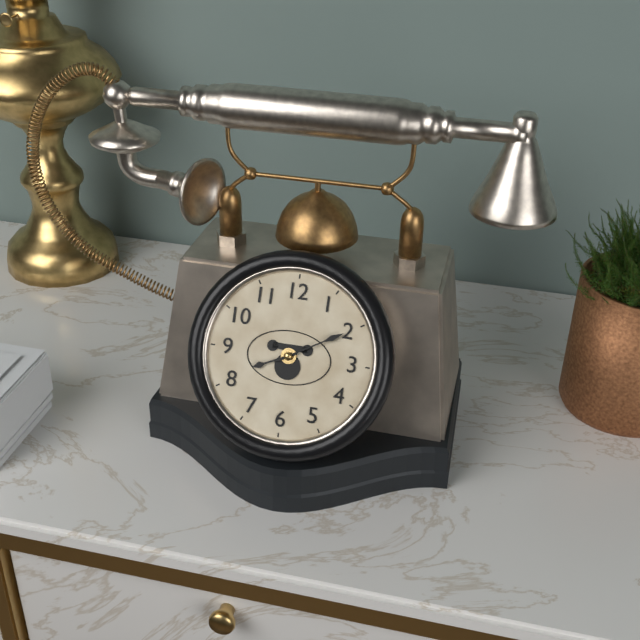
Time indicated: 8:10
